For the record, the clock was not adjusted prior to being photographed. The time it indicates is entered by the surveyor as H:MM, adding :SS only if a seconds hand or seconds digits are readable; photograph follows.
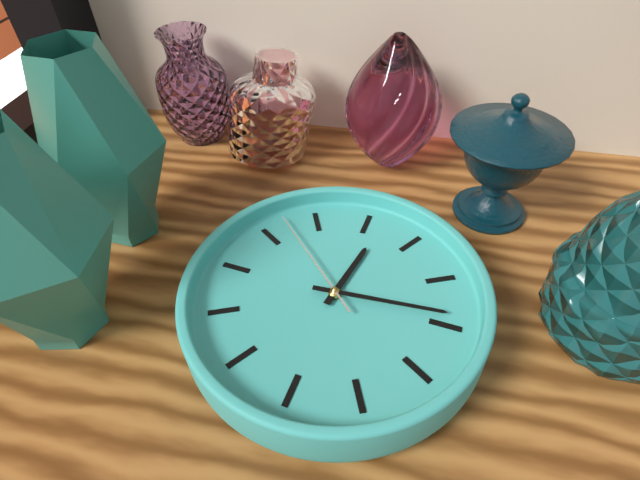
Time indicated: 1:19:57
